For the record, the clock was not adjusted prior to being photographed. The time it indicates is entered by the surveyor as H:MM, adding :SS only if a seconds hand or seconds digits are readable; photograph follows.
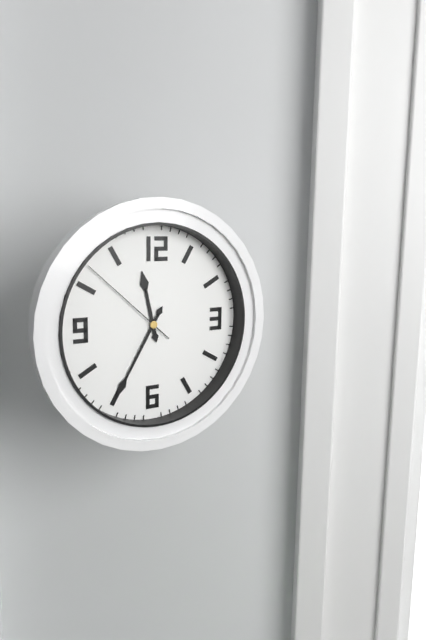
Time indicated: 11:35:52
